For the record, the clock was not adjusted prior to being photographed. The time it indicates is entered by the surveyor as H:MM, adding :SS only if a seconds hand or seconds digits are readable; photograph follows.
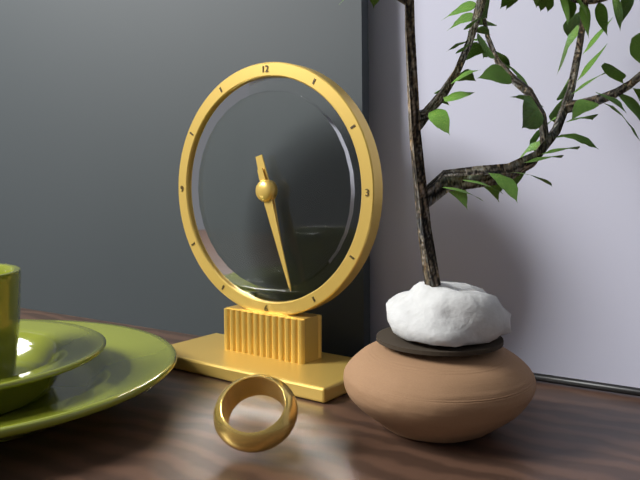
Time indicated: 5:27
